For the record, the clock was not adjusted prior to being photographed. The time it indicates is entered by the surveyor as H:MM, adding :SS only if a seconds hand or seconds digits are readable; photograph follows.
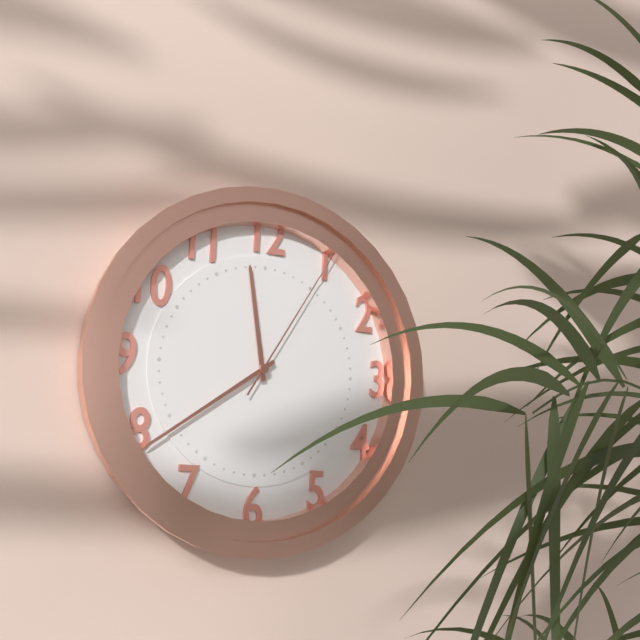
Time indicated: 11:39:05
